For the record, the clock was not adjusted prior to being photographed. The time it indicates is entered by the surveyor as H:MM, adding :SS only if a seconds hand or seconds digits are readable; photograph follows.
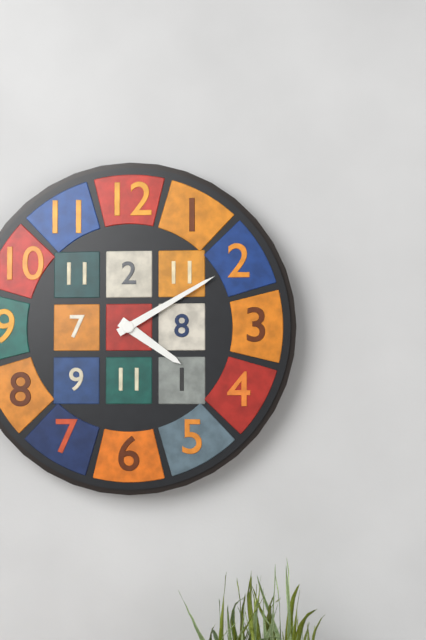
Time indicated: 4:10
